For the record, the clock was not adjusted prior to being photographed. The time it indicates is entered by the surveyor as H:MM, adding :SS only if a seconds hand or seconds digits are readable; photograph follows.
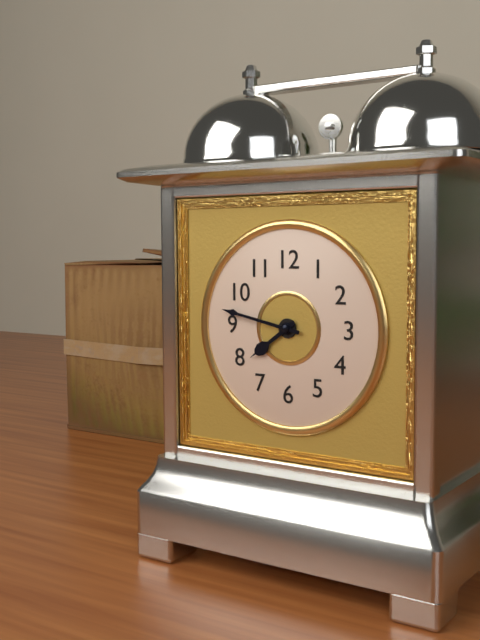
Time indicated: 7:47
